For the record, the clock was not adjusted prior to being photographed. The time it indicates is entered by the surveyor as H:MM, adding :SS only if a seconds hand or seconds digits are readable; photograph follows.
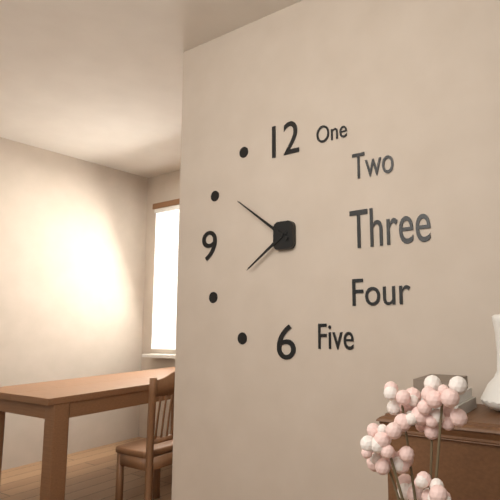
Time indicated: 7:51
